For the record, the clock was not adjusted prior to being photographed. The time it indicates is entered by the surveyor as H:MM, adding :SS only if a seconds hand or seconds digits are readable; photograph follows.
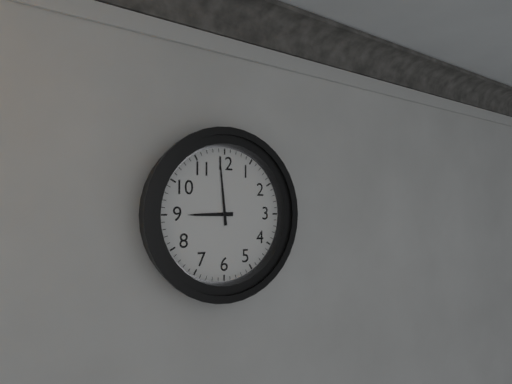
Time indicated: 8:59
